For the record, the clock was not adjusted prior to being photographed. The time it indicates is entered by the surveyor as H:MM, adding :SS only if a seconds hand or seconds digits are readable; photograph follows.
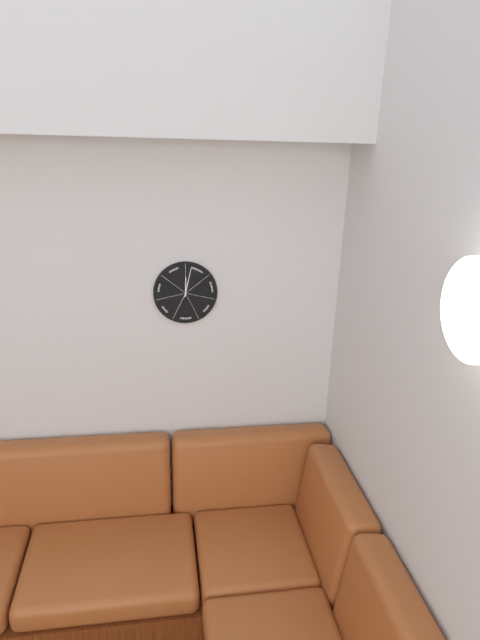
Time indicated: 12:02
